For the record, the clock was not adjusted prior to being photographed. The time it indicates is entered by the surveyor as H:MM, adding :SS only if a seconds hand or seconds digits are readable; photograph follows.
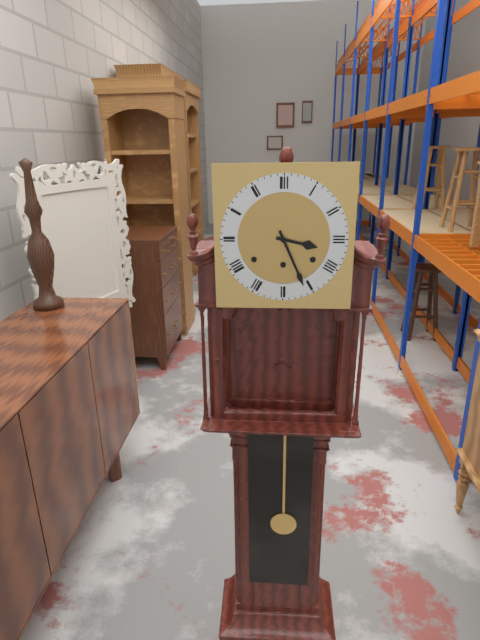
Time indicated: 3:26
